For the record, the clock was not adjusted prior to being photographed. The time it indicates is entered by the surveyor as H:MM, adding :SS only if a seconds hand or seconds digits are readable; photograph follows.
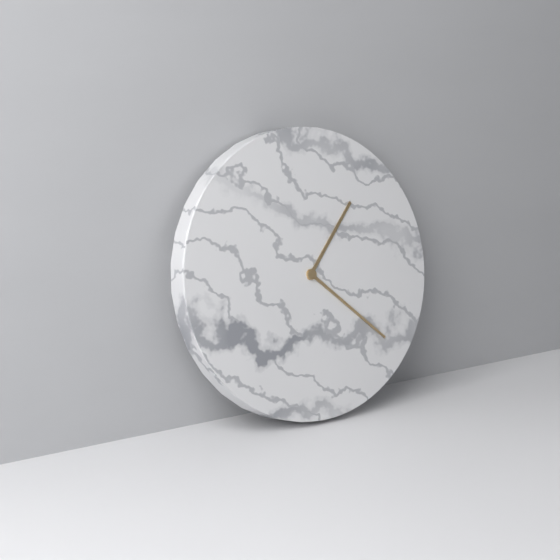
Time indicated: 1:22
